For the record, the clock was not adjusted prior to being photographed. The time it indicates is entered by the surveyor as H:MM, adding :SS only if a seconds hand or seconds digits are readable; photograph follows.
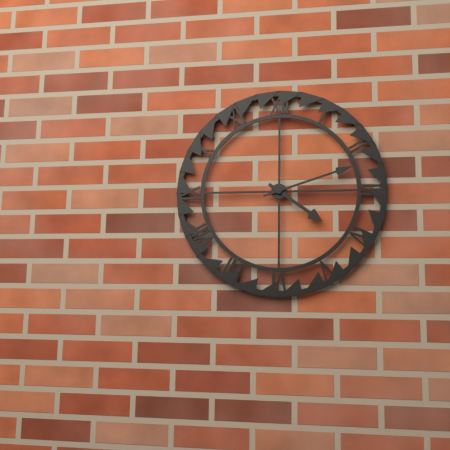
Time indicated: 4:12
